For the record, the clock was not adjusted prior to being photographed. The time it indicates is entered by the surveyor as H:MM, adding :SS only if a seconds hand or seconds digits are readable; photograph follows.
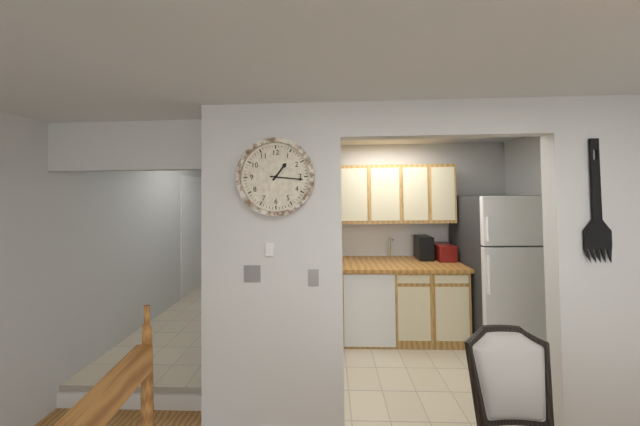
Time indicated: 1:16
